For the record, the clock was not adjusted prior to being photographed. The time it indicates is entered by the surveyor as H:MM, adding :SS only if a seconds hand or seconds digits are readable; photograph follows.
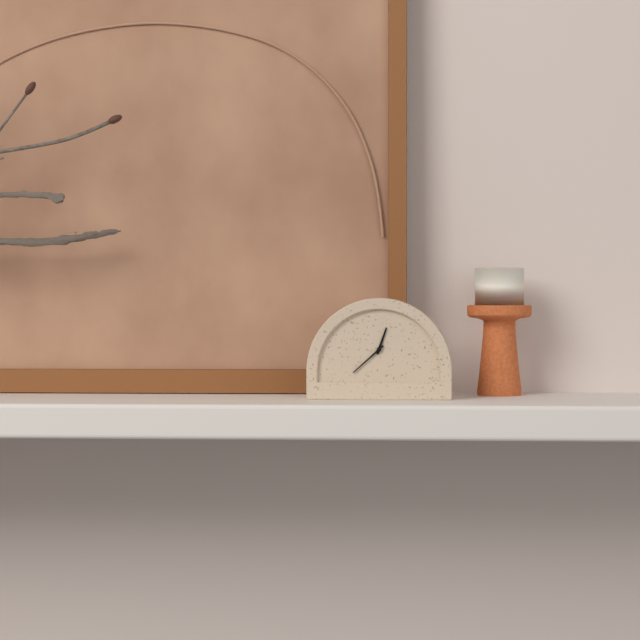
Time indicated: 12:38
